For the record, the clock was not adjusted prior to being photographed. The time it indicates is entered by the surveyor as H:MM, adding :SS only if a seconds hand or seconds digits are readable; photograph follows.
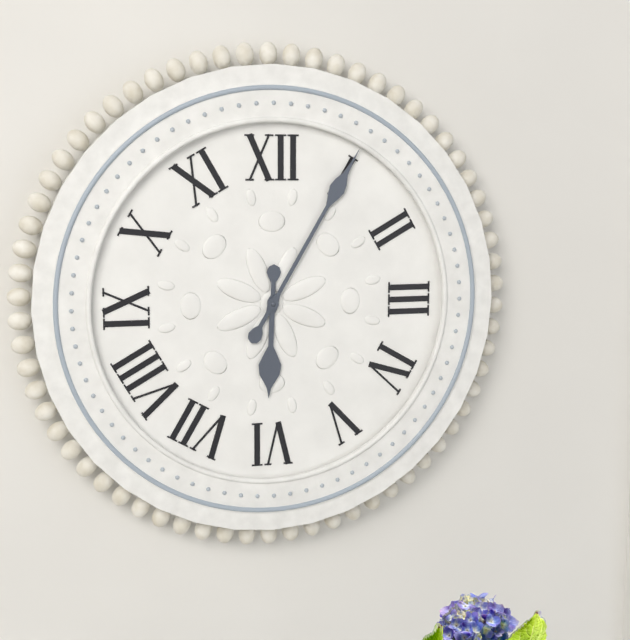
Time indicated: 6:05
